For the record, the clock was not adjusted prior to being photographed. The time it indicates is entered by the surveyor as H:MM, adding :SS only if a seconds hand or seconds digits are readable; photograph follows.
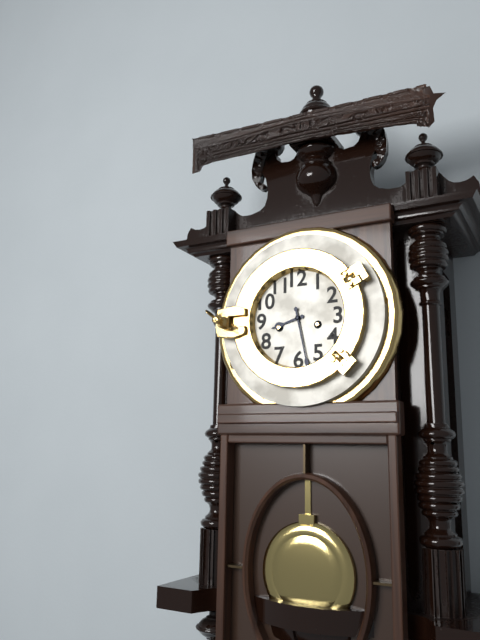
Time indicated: 8:28
